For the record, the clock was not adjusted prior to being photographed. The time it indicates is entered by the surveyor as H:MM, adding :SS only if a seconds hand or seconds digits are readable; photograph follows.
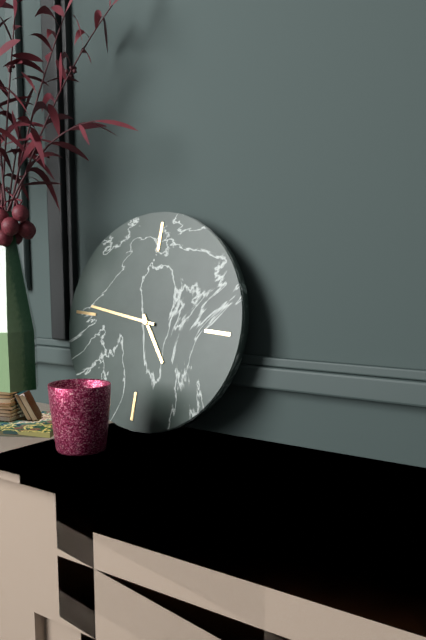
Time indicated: 4:46
